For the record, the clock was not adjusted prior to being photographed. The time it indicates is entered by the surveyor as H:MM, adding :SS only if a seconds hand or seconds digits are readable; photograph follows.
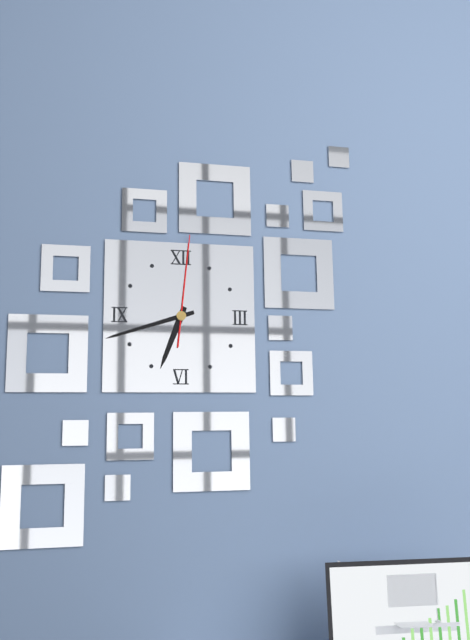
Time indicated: 6:42:01
